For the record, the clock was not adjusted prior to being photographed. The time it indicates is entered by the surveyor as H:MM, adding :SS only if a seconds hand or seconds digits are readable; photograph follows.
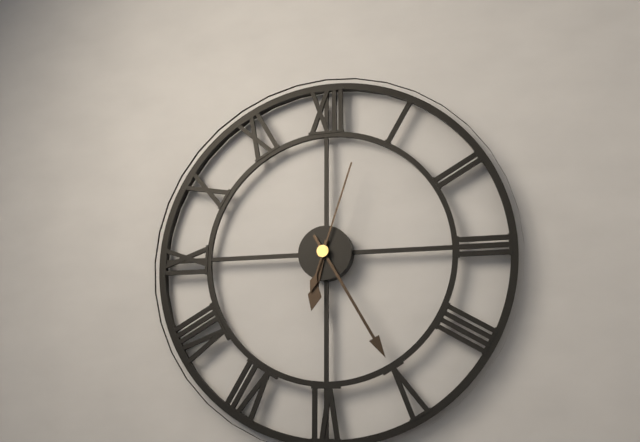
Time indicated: 6:25:03
